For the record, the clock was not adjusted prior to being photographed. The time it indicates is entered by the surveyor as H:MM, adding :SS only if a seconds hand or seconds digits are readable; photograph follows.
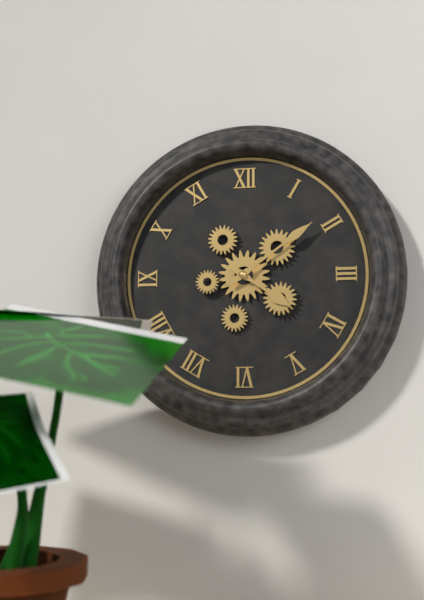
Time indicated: 4:09
